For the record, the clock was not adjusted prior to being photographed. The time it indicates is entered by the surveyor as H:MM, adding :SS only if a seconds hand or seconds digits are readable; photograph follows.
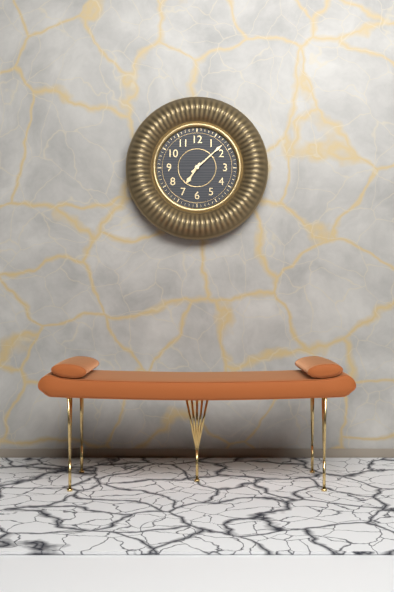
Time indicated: 7:08
